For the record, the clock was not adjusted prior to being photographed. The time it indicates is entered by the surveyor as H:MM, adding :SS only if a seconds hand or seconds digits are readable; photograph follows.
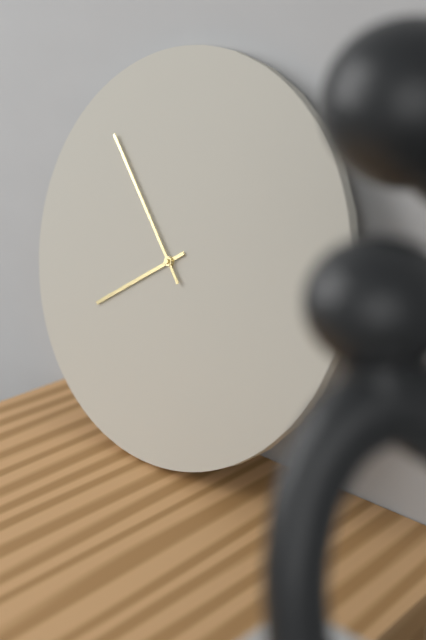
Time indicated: 7:53
